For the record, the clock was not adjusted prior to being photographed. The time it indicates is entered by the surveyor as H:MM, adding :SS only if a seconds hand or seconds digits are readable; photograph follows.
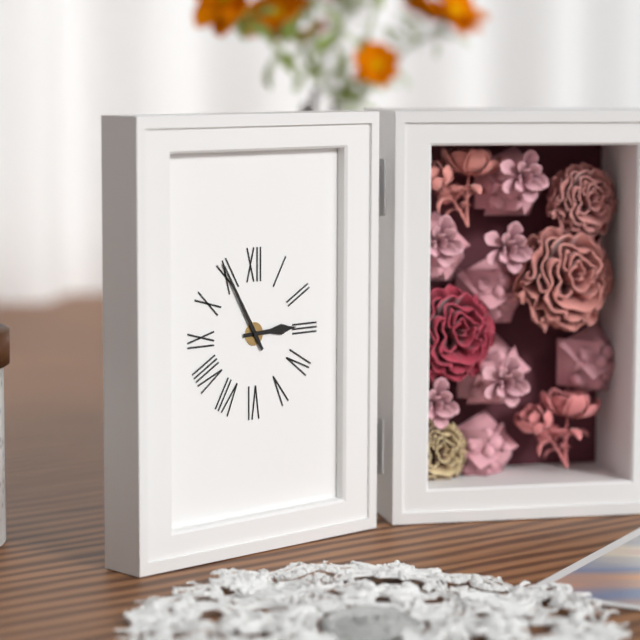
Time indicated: 2:55
